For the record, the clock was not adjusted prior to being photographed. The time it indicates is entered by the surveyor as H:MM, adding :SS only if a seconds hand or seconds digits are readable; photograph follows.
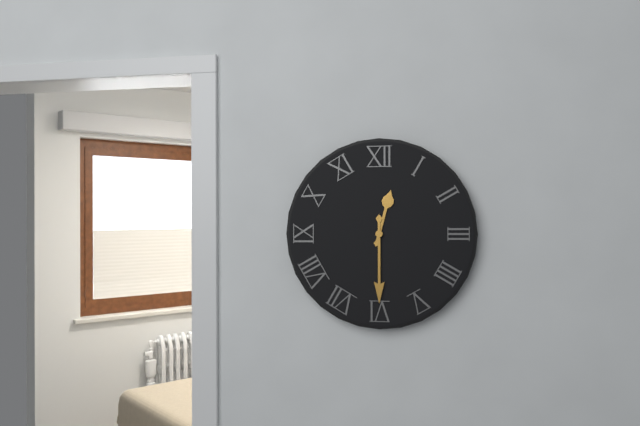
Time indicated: 12:30
